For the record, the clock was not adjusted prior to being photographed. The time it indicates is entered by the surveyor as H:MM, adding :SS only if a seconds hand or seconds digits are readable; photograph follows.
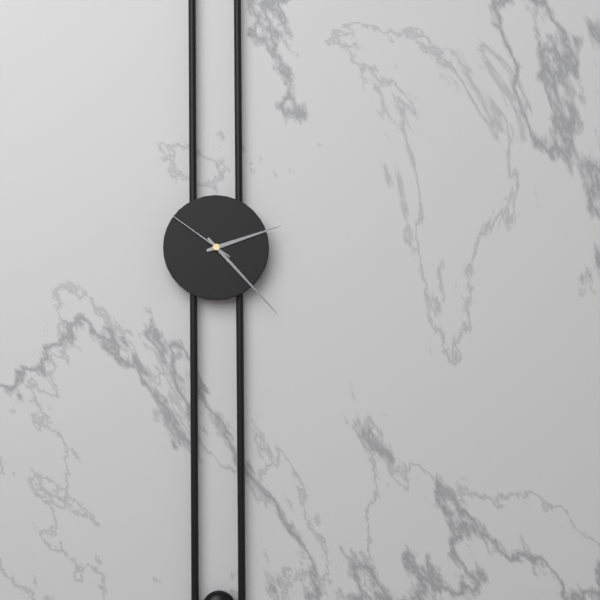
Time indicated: 2:23:51
